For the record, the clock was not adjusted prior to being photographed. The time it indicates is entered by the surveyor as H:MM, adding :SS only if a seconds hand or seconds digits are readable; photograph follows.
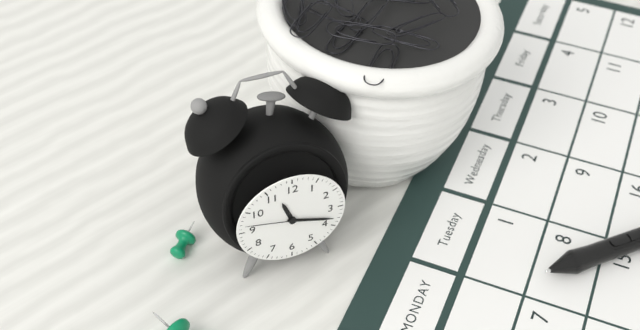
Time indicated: 11:18:47
